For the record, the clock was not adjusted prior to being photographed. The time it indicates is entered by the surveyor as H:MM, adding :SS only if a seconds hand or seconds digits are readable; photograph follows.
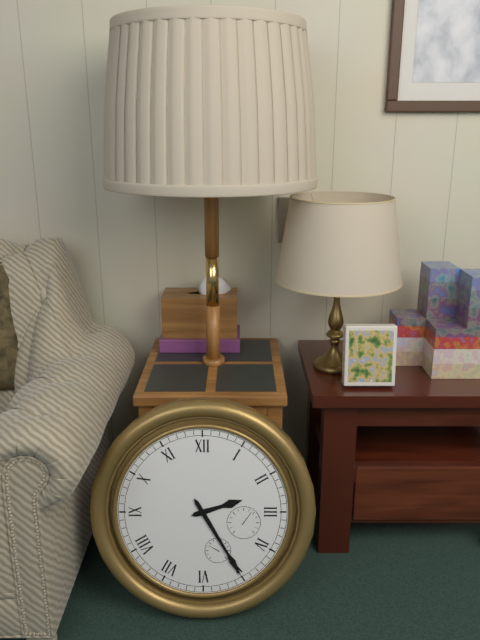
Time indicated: 2:25
